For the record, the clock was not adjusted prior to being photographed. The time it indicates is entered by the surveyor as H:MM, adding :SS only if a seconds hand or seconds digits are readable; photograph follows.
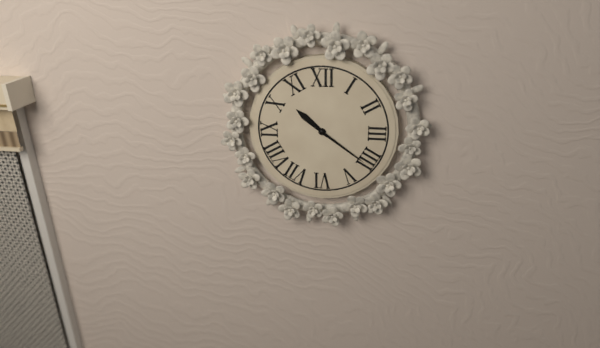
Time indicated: 10:21
